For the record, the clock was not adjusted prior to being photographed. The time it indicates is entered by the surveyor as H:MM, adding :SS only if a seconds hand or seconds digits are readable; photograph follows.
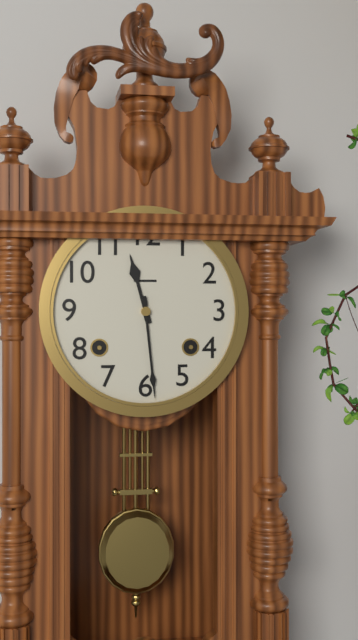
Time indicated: 11:29
